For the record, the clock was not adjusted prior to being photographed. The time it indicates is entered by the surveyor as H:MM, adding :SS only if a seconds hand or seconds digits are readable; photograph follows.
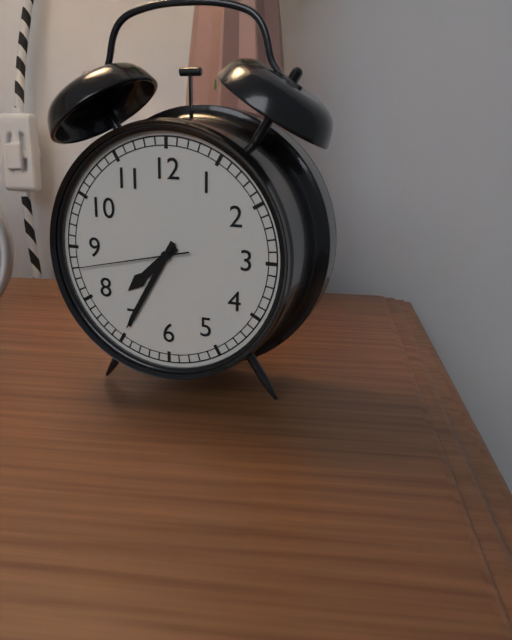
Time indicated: 7:35:43
